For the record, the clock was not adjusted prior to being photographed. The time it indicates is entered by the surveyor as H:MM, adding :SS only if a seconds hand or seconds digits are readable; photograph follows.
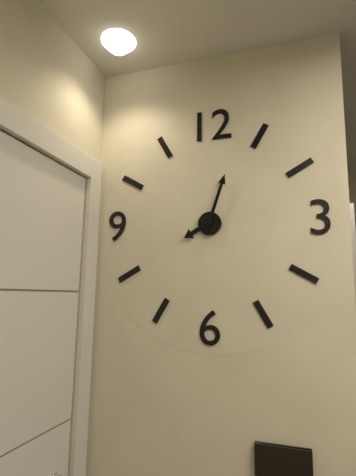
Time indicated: 8:03
